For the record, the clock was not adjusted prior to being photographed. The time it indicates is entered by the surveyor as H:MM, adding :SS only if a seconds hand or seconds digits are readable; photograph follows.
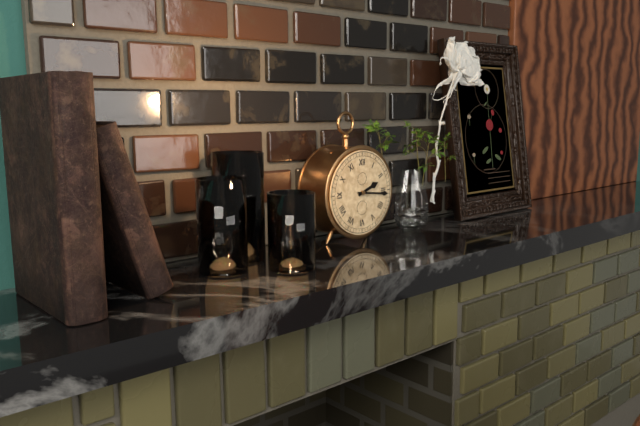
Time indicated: 2:16
